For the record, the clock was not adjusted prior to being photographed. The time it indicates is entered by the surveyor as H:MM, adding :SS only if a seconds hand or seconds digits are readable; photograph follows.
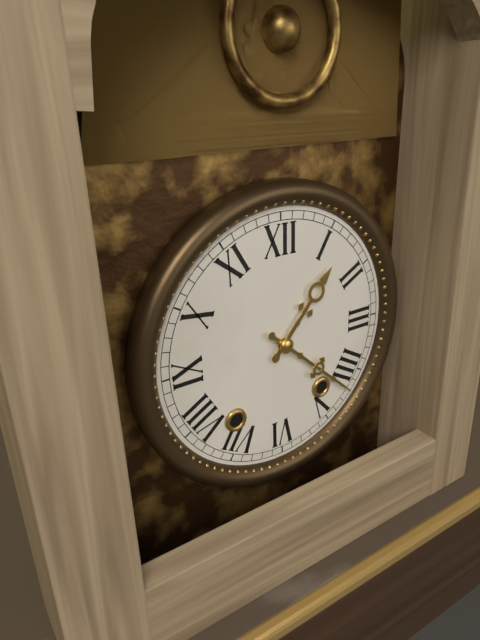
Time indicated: 1:22
